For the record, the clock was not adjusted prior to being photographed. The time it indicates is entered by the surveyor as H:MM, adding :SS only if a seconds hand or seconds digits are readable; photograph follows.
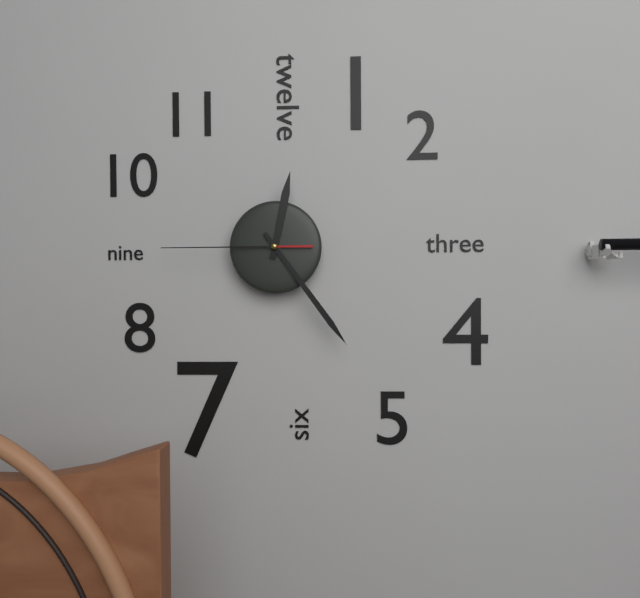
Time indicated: 12:24:45
